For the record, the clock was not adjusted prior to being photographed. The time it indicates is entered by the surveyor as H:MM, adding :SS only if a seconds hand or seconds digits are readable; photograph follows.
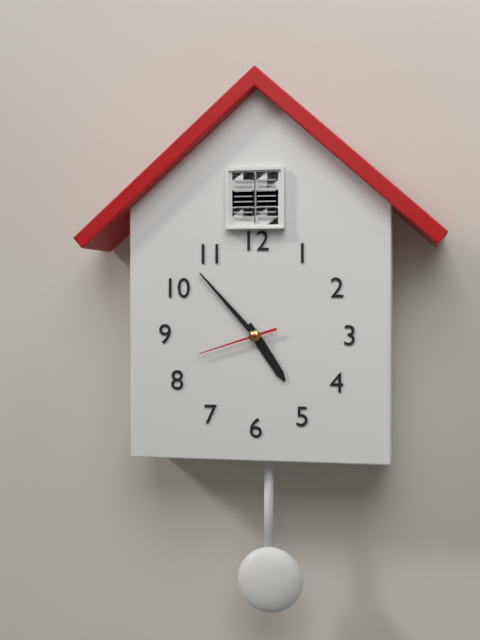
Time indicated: 4:53:42
